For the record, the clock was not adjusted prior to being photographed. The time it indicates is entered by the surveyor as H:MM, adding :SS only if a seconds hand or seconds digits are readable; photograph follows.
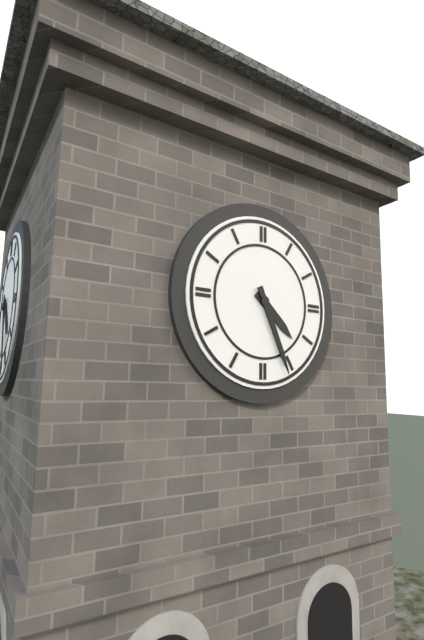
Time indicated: 4:26
